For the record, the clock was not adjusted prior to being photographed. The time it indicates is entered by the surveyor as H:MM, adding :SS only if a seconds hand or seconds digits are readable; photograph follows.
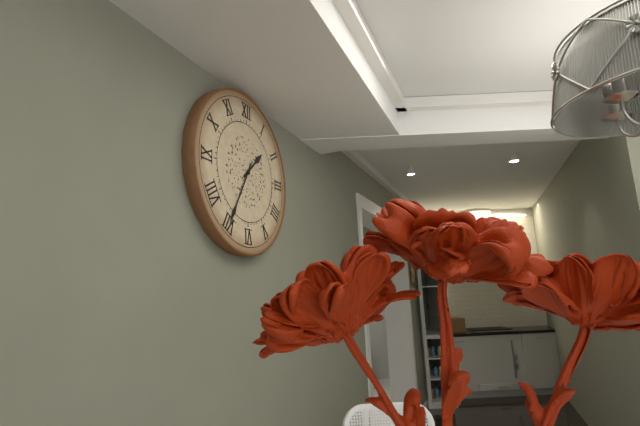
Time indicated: 1:35
